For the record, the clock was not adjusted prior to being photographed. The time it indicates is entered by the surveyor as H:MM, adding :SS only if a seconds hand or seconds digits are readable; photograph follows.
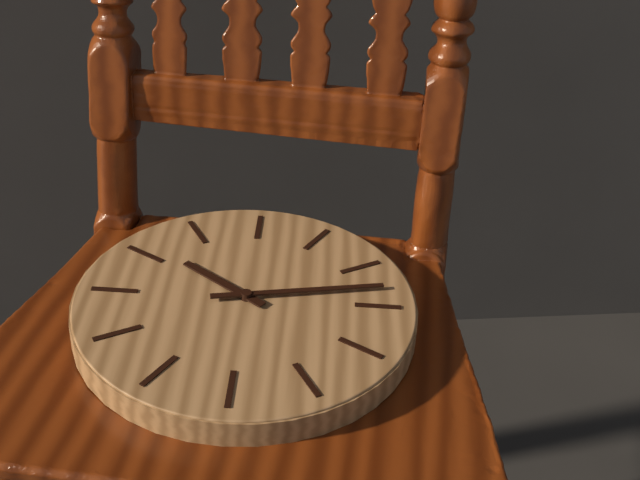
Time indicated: 10:13
